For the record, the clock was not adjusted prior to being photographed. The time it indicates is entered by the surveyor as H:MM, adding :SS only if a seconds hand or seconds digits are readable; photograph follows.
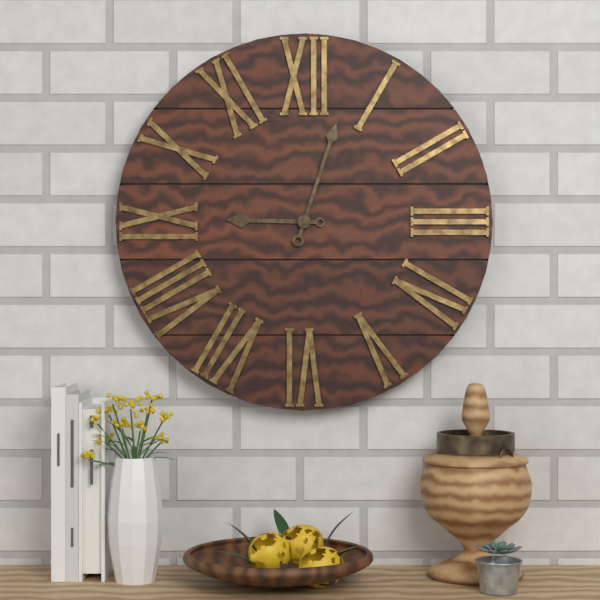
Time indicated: 9:03
